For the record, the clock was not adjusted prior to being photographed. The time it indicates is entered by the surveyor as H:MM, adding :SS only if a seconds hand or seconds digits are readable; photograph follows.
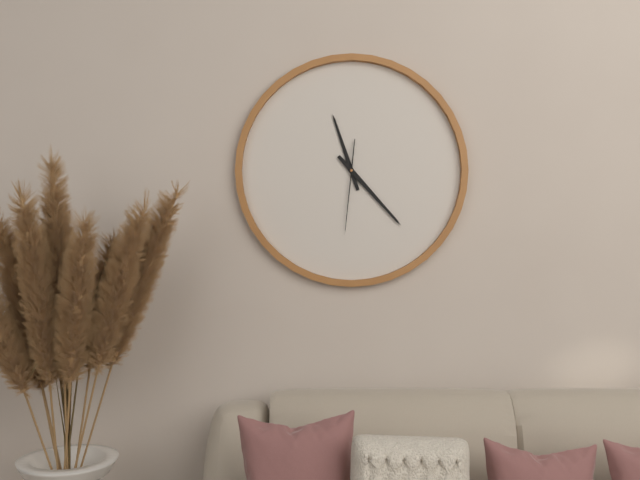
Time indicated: 11:23:31
